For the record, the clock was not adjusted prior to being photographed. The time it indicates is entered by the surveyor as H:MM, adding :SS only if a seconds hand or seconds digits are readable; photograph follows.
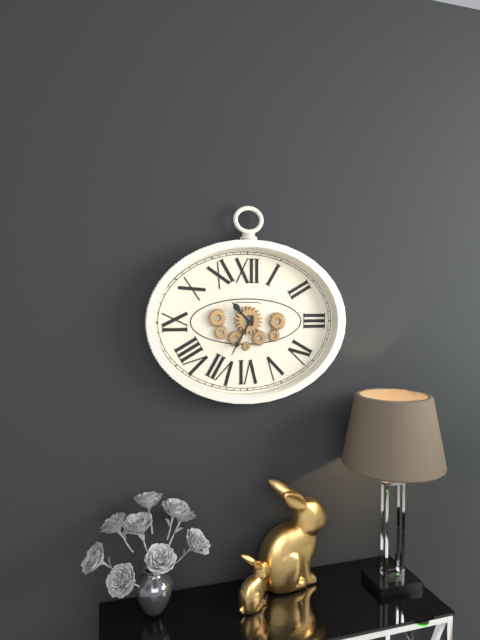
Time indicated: 10:35
